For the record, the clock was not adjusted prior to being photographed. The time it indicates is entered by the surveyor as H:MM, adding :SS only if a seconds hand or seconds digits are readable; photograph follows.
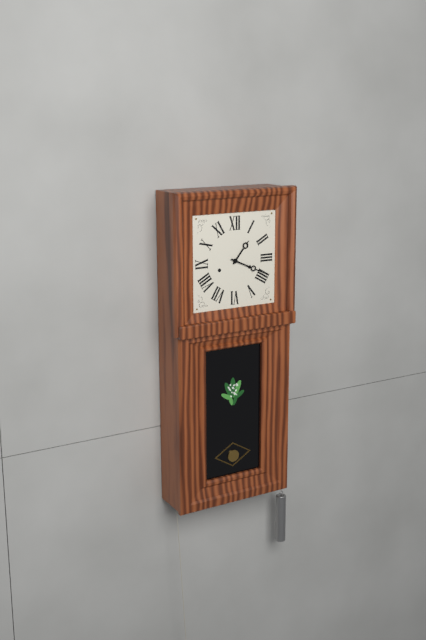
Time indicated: 1:19
